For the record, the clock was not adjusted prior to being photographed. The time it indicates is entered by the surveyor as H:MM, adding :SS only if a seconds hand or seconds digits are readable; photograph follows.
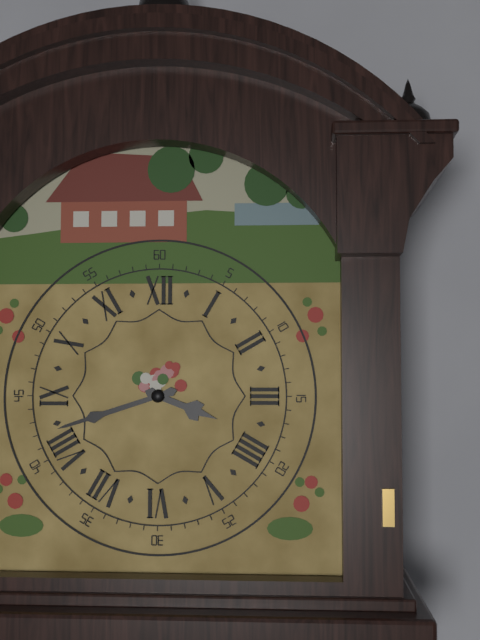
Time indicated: 3:42
